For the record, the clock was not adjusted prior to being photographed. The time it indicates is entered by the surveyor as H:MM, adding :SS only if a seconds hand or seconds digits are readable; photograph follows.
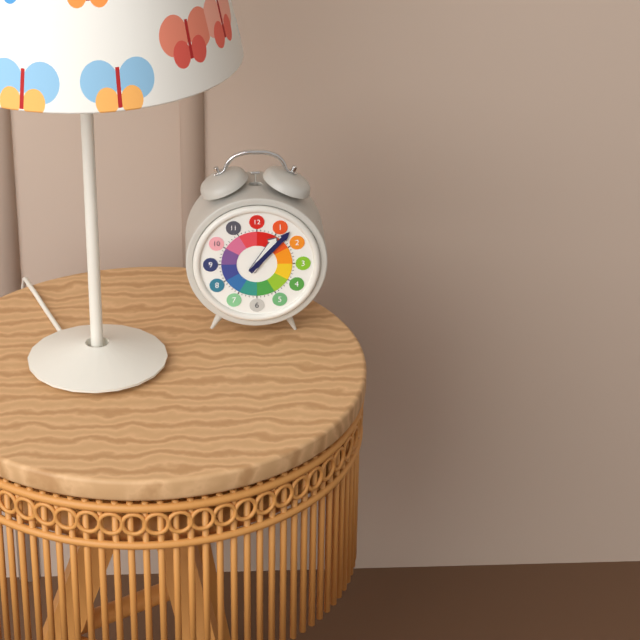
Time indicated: 1:07
